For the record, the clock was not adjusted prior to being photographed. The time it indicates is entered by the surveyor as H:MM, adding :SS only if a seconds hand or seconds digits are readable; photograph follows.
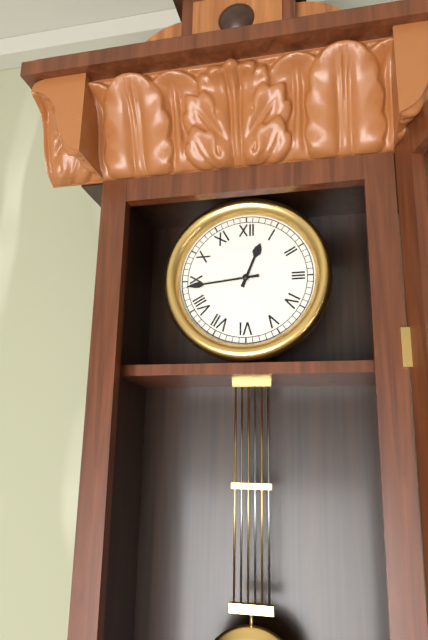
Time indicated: 12:44
